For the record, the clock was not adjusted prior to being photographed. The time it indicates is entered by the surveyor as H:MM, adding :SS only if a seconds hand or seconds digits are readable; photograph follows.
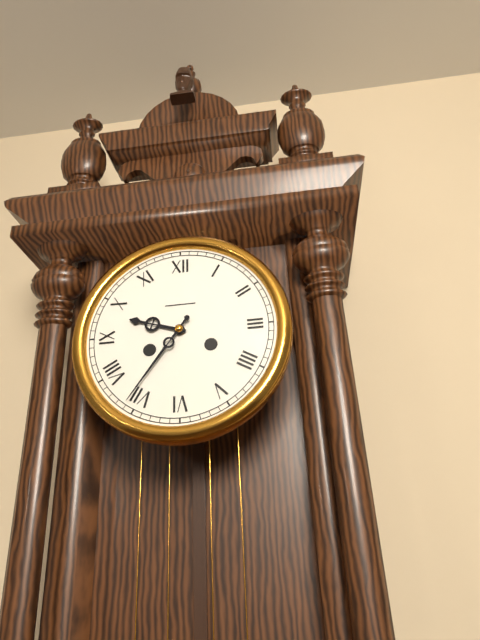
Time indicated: 9:36
